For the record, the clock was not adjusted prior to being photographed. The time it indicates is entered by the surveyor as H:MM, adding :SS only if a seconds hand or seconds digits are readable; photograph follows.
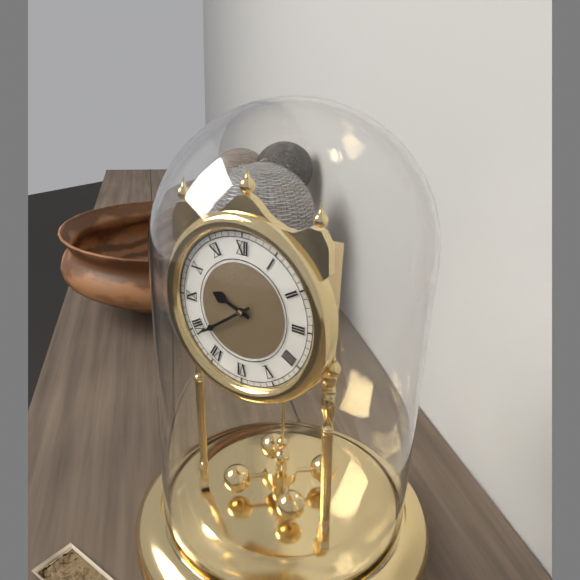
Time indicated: 9:39
